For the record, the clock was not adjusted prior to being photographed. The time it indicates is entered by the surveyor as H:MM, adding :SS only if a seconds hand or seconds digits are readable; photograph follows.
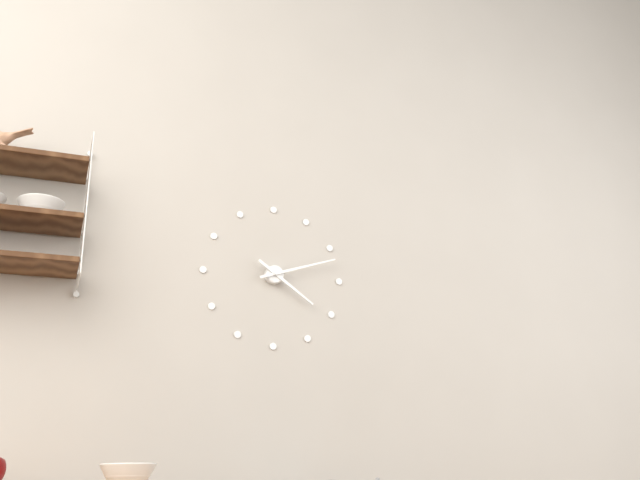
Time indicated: 4:12
